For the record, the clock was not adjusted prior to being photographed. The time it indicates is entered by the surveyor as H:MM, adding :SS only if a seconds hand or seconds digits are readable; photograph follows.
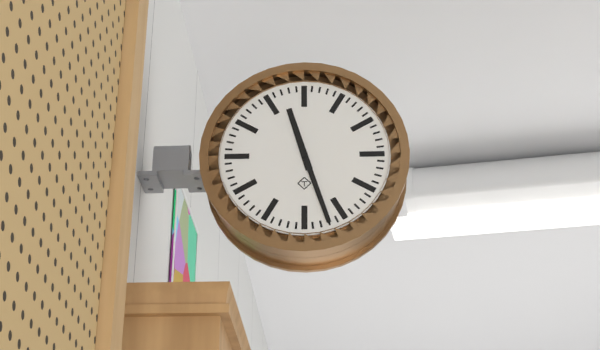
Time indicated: 11:27
